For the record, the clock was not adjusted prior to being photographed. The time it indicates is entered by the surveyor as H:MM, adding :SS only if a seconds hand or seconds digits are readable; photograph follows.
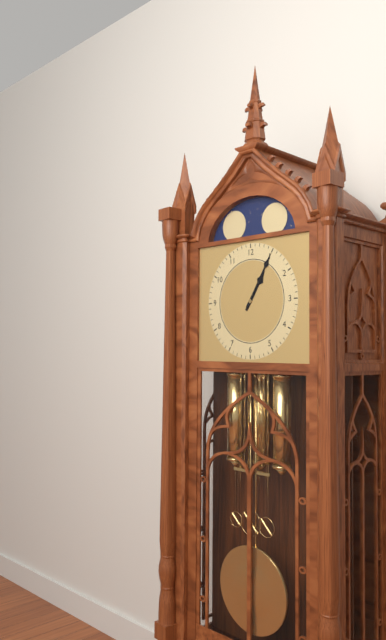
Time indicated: 1:05
